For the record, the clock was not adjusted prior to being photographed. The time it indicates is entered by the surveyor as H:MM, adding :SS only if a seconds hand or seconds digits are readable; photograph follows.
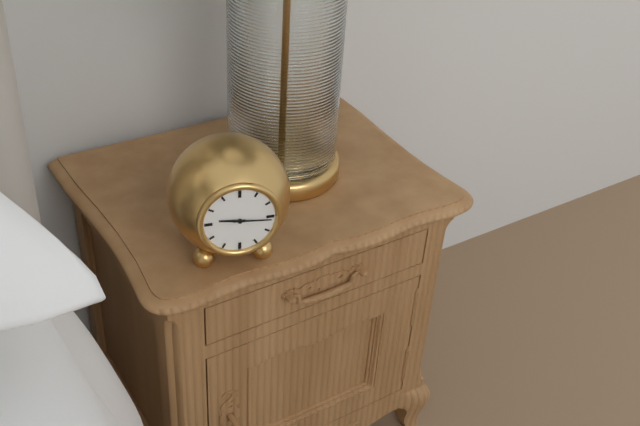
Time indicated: 9:16
